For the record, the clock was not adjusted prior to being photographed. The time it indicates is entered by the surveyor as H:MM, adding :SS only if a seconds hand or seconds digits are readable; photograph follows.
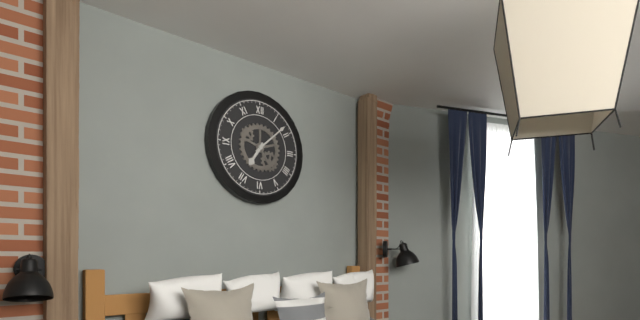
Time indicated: 7:08
